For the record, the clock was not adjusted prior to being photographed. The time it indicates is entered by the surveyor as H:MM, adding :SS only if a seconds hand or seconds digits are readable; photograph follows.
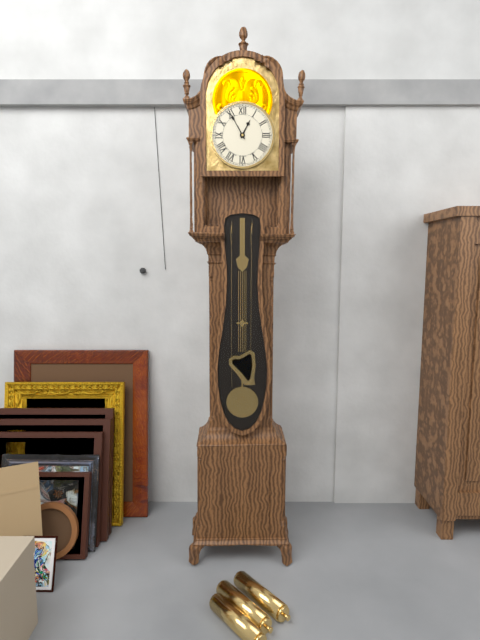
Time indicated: 12:55
